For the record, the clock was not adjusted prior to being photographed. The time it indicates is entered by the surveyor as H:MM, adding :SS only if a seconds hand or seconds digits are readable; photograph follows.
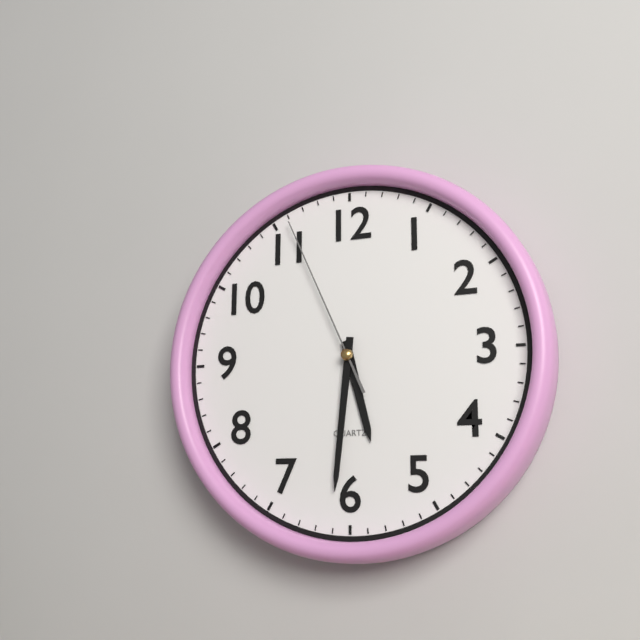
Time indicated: 5:31:56
